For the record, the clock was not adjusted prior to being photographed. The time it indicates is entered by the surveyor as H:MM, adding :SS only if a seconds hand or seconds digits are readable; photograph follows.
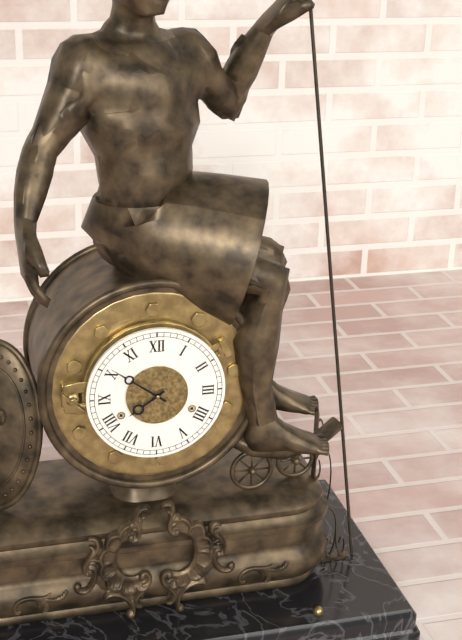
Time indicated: 7:51
